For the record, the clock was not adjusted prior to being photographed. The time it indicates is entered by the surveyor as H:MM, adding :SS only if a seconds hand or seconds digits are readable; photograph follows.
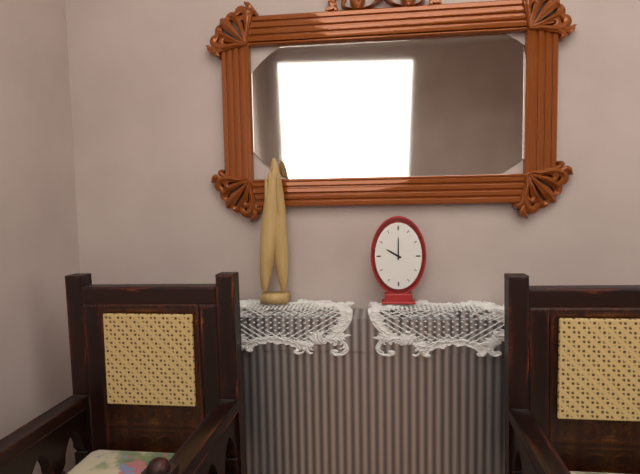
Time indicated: 10:00
